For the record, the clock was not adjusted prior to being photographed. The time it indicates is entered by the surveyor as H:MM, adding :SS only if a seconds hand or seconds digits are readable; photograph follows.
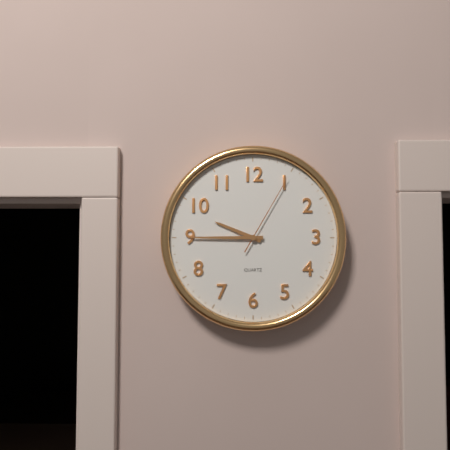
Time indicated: 9:45:05
